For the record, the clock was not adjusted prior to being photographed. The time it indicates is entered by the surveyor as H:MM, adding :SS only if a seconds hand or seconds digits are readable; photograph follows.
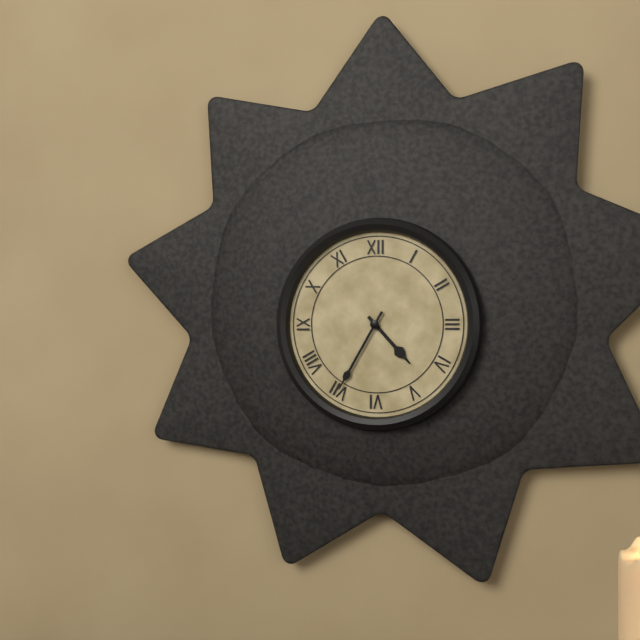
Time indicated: 4:35
